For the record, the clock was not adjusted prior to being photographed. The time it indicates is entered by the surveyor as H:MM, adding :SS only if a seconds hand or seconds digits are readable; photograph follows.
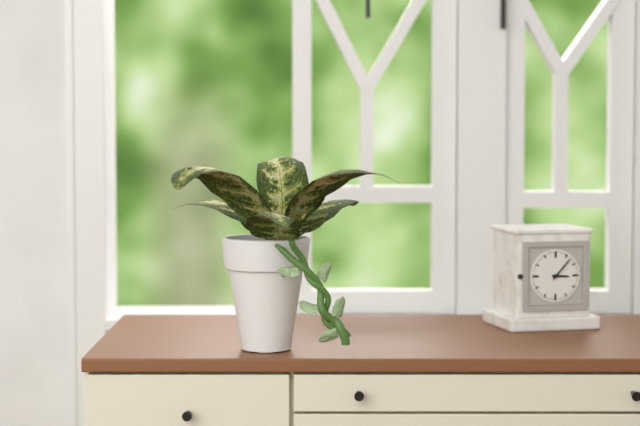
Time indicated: 3:07
